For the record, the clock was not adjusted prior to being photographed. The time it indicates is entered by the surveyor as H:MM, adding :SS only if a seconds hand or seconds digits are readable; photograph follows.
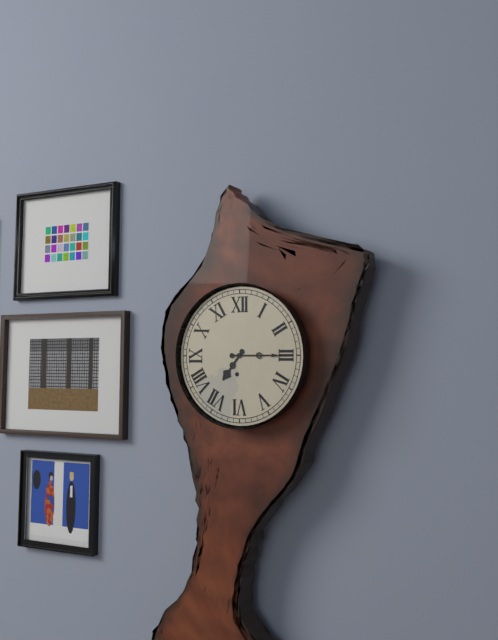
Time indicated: 7:15
